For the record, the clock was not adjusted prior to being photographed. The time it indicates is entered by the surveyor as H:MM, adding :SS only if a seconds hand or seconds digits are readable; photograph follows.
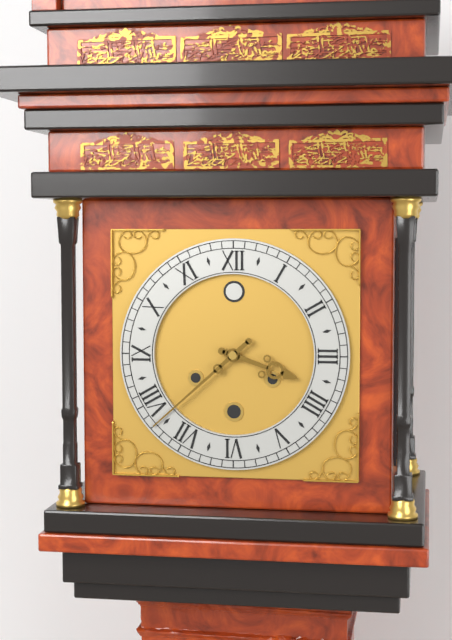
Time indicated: 3:38
